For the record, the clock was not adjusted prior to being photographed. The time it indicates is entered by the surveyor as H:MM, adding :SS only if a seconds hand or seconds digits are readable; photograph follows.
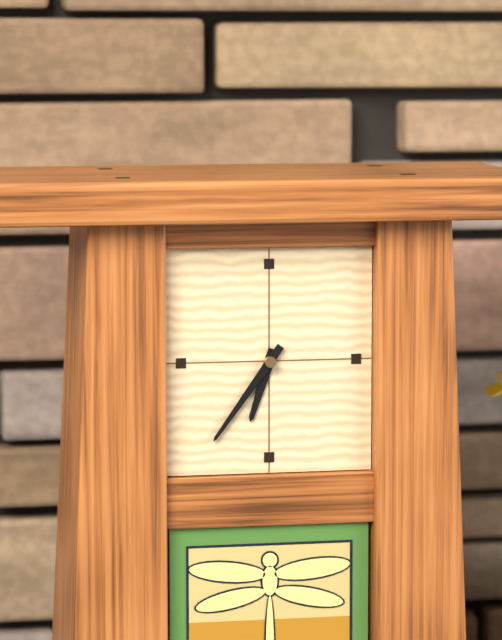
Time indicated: 6:36
